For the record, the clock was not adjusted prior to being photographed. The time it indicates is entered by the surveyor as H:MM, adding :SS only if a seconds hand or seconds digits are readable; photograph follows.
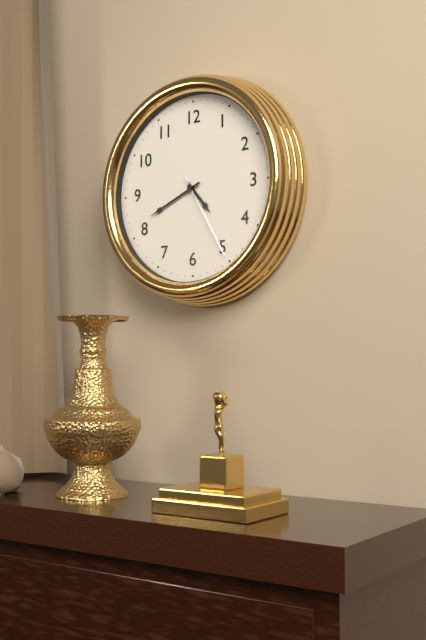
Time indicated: 4:41:25
